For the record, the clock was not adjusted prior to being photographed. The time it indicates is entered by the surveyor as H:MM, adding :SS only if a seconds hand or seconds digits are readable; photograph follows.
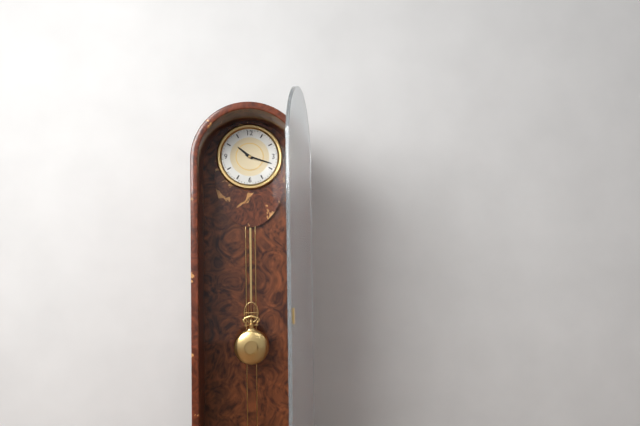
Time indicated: 10:18
